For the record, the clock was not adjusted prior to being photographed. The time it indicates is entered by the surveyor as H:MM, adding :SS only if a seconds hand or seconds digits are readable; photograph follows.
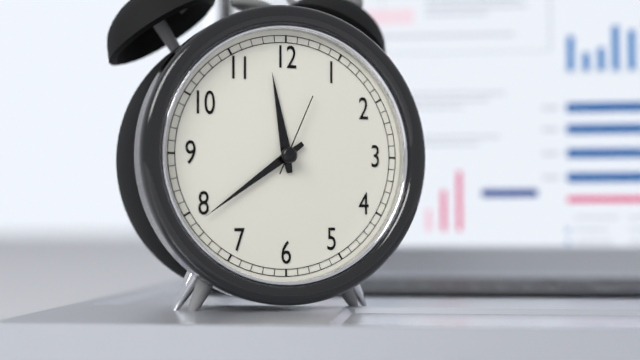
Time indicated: 11:39:04
